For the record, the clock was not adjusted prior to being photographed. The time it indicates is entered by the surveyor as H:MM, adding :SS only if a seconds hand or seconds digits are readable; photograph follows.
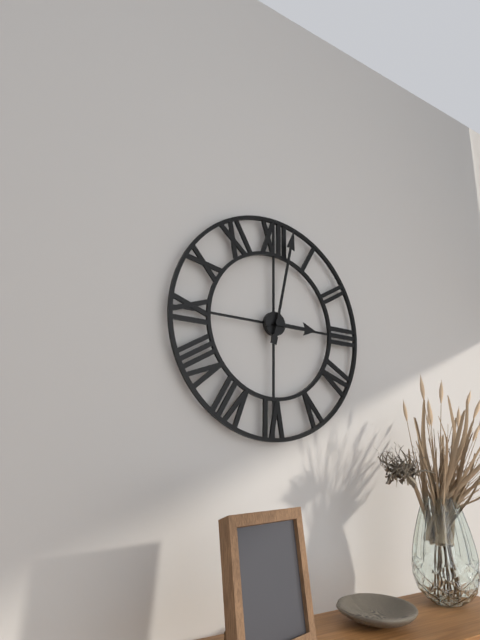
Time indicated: 3:02
